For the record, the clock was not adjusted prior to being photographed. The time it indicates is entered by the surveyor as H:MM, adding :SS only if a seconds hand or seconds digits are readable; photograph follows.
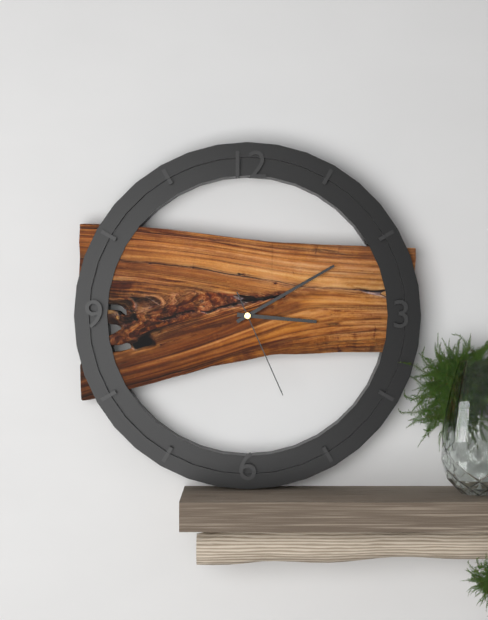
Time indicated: 3:10:26
